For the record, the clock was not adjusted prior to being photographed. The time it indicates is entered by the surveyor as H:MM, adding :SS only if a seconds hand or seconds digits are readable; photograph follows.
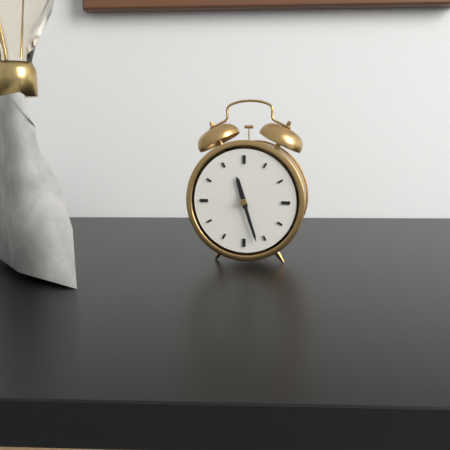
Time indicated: 11:27
